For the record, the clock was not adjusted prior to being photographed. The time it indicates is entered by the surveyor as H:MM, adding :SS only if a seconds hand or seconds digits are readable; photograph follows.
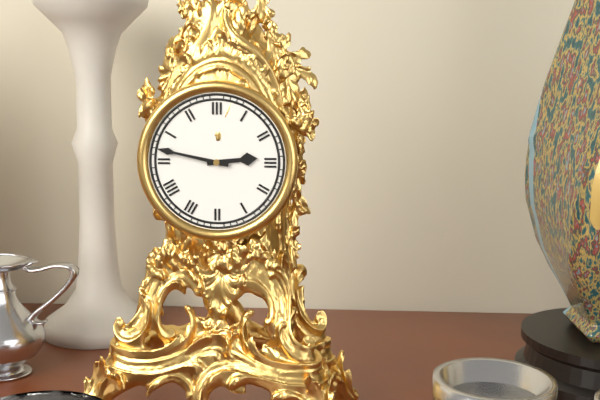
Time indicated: 2:47
